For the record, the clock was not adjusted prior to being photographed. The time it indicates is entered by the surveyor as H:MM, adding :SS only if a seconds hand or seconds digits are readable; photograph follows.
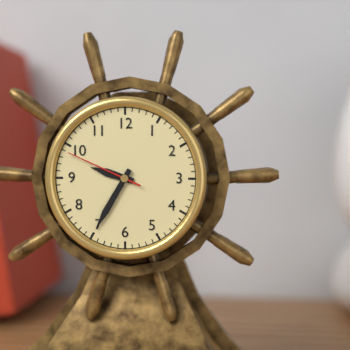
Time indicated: 9:35:49
